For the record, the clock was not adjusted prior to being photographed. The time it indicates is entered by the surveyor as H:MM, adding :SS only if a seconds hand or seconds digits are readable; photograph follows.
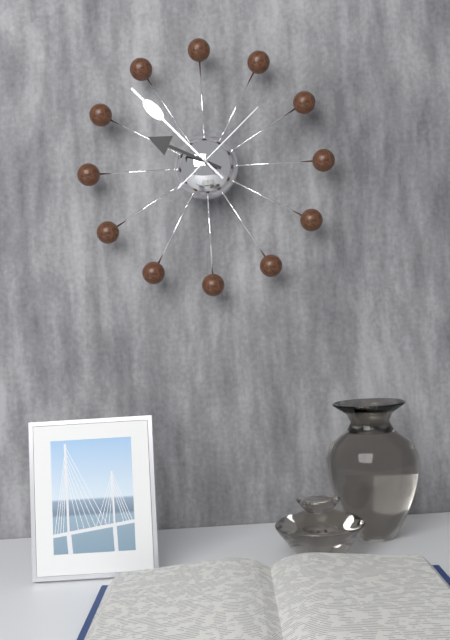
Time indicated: 9:53:08
